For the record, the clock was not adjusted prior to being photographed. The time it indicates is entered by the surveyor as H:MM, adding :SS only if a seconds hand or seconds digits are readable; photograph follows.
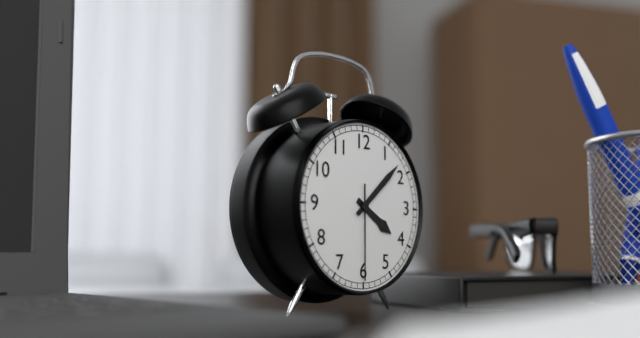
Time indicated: 4:08:30
